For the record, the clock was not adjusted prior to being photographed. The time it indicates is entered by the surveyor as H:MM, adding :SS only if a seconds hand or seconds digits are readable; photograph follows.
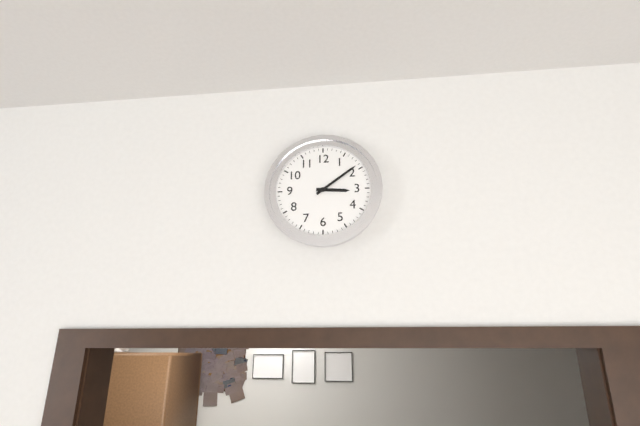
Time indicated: 3:09
